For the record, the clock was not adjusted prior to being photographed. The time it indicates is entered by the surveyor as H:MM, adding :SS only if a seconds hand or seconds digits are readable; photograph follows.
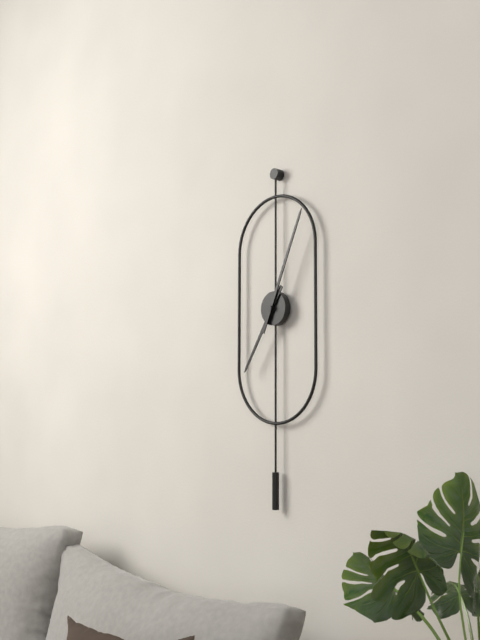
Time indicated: 7:04
